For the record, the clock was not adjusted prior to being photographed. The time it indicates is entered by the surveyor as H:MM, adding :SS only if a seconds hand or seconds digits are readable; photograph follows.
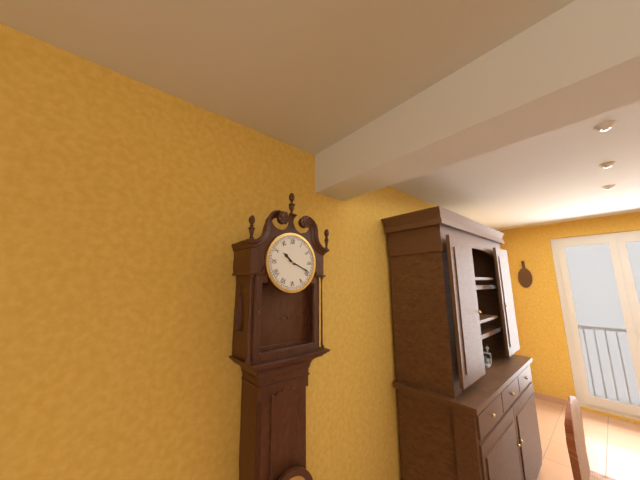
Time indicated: 10:19
